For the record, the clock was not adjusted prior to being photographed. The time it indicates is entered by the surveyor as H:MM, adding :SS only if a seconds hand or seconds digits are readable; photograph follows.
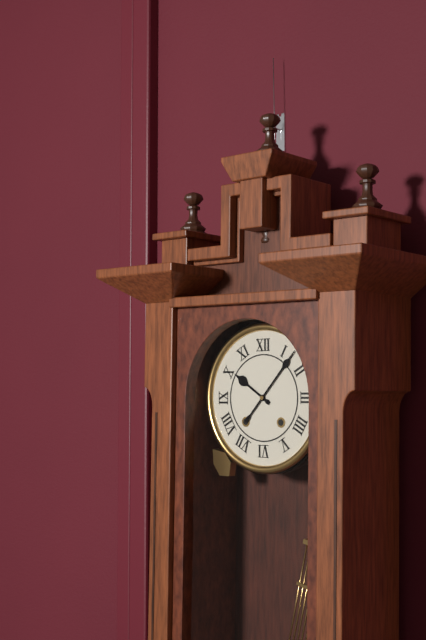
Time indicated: 10:07
